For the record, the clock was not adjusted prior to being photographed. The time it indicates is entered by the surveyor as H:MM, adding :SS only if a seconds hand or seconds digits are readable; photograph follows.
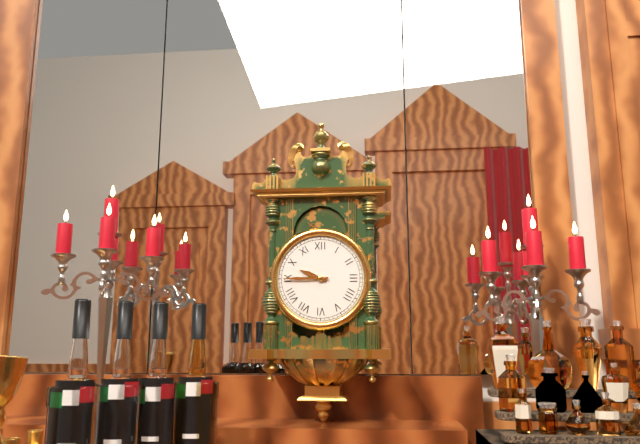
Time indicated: 9:45
